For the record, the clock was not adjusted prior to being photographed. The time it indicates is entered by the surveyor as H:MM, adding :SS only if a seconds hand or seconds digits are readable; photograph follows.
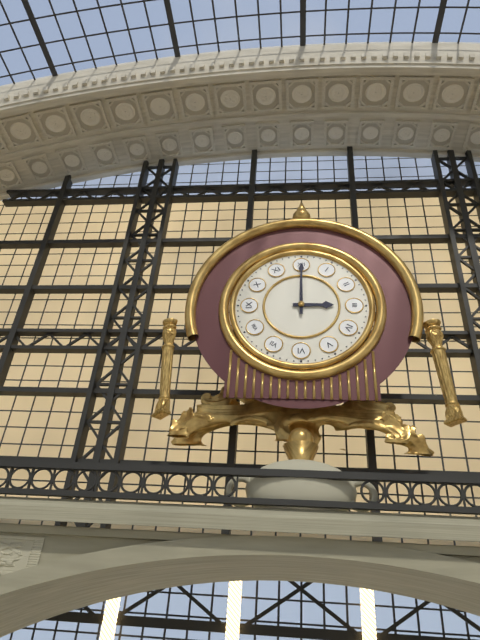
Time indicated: 3:00
